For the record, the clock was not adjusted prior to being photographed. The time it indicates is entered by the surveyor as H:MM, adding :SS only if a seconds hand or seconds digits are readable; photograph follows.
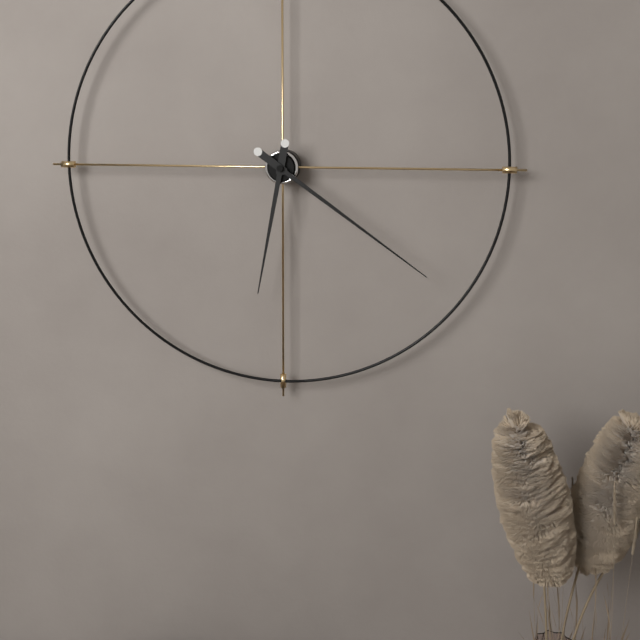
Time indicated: 6:21
